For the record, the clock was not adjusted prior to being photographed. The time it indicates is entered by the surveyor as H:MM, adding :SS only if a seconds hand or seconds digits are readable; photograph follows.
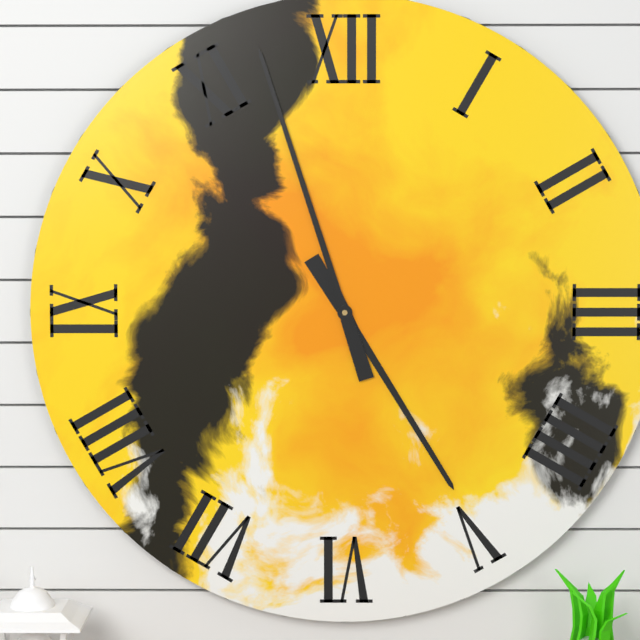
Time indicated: 4:57
